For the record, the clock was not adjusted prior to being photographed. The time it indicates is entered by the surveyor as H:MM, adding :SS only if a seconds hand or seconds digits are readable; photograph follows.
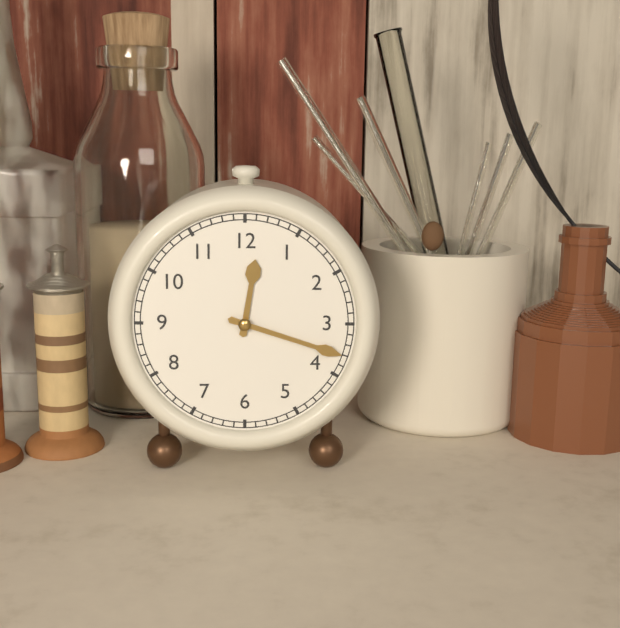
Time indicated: 12:18
